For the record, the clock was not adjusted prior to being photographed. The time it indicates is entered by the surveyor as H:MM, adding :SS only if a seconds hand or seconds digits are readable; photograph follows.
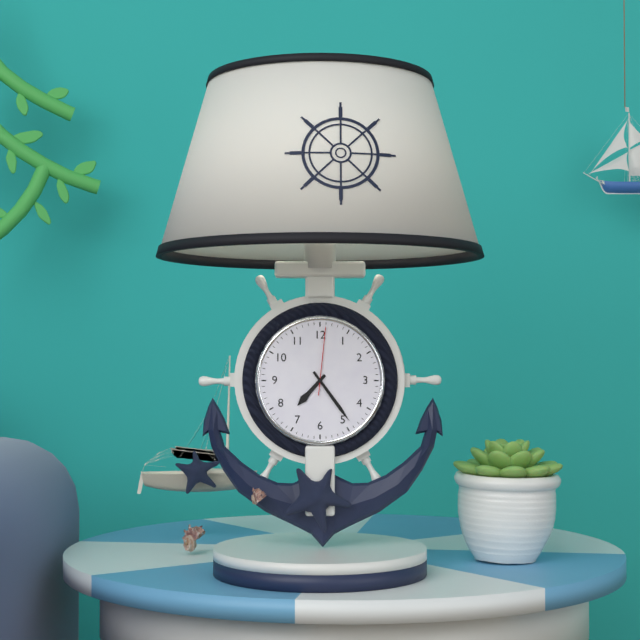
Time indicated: 7:24:01
